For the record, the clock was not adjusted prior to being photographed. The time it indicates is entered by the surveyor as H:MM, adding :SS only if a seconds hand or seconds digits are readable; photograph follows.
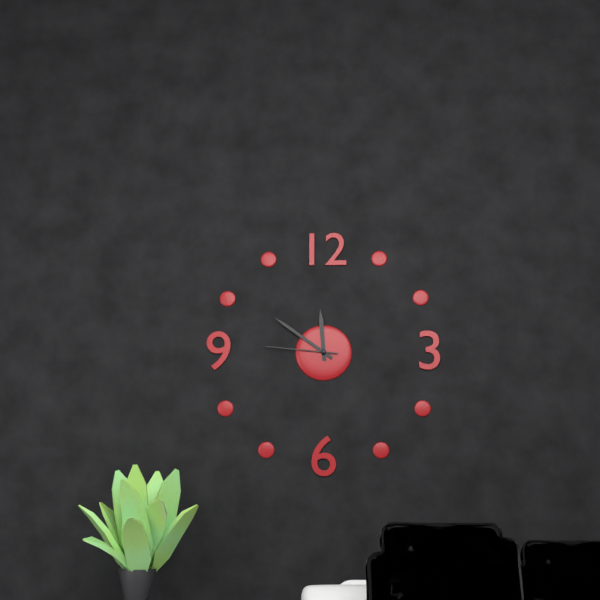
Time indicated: 11:51:46
